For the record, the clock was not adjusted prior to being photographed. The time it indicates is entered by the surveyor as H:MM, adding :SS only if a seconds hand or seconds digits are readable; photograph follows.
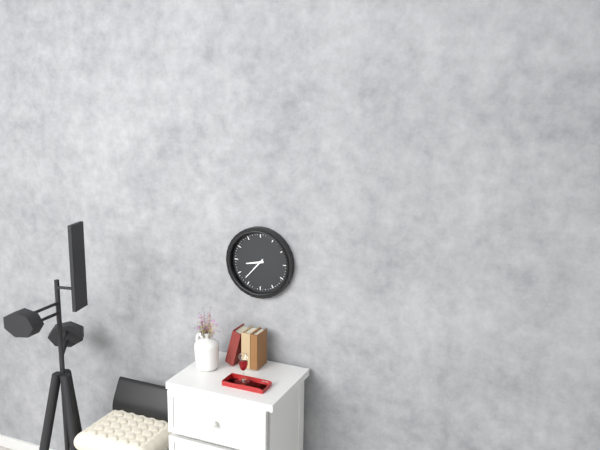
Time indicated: 8:37
